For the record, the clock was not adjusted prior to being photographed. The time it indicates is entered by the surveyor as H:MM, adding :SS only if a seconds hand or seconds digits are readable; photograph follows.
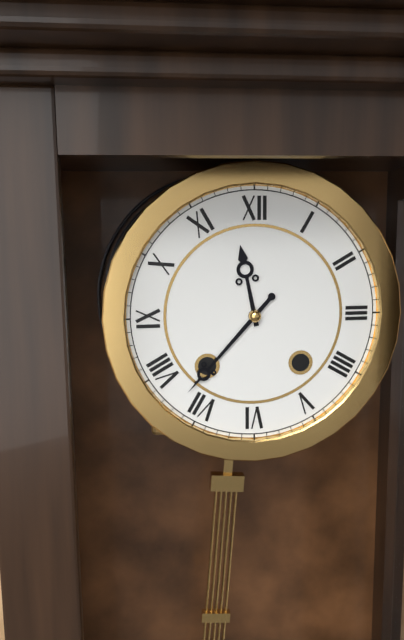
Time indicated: 11:37
